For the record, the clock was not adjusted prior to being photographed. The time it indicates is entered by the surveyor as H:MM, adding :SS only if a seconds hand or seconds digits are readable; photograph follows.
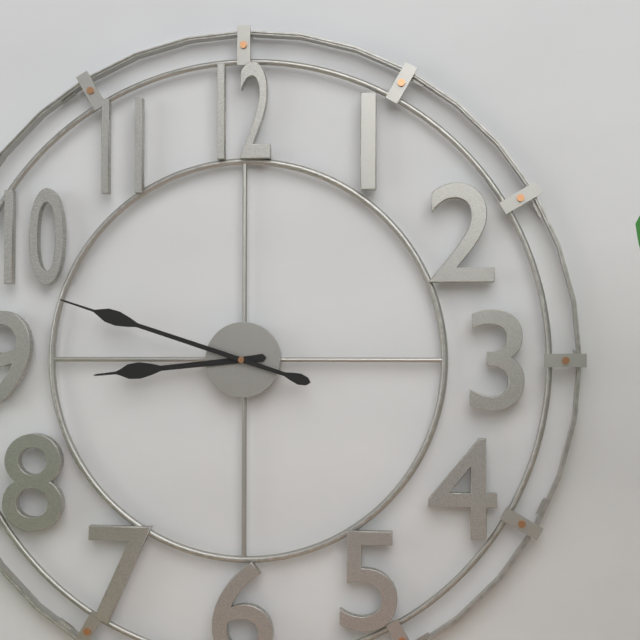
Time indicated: 8:48
